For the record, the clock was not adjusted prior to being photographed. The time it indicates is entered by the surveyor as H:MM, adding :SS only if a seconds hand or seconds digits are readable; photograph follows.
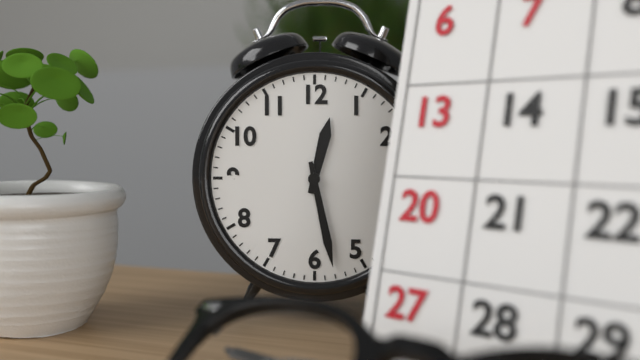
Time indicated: 12:28
